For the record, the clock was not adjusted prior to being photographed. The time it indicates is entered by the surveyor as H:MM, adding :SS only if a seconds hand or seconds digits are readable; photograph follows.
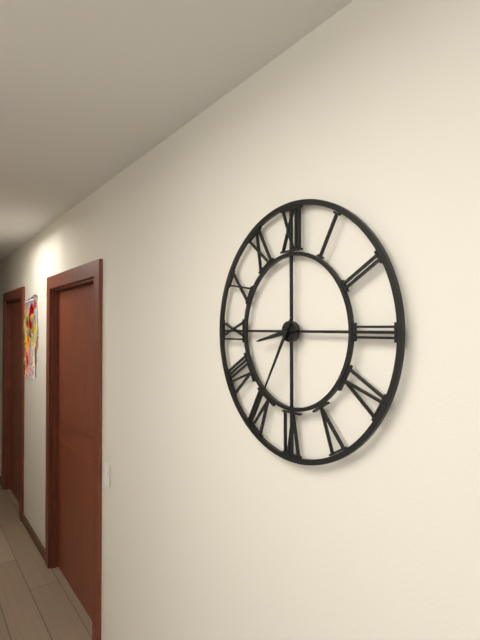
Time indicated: 8:35
